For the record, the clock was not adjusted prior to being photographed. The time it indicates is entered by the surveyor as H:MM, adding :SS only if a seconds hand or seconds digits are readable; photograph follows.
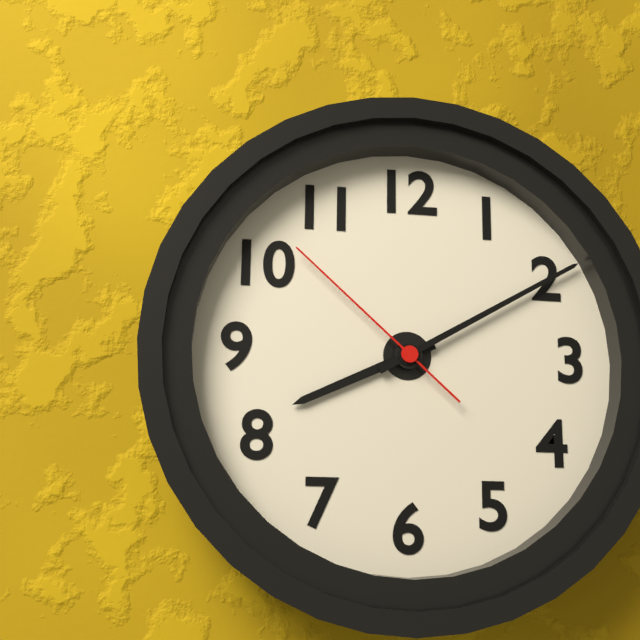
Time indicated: 8:10:52
